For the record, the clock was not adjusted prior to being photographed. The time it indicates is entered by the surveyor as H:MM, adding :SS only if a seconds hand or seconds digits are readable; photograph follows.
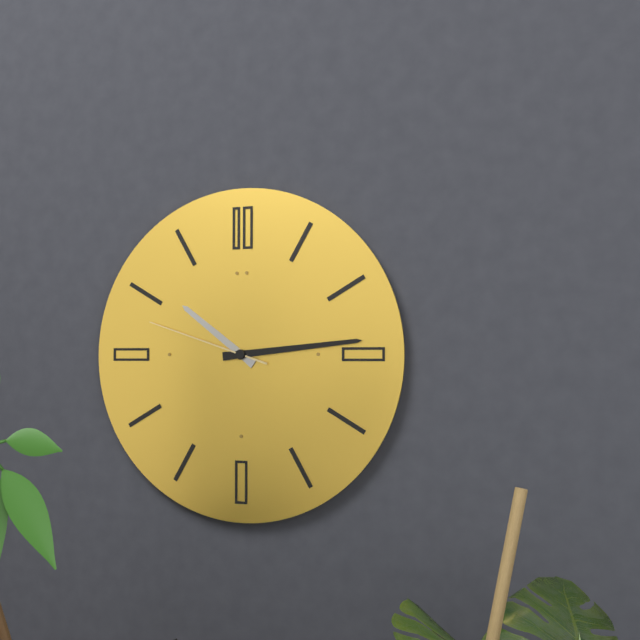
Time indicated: 10:14:48
